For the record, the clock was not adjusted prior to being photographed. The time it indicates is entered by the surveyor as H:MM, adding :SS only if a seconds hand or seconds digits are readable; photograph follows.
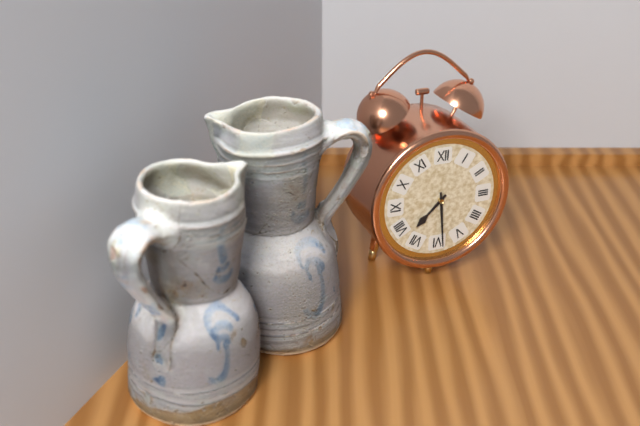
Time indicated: 7:29
